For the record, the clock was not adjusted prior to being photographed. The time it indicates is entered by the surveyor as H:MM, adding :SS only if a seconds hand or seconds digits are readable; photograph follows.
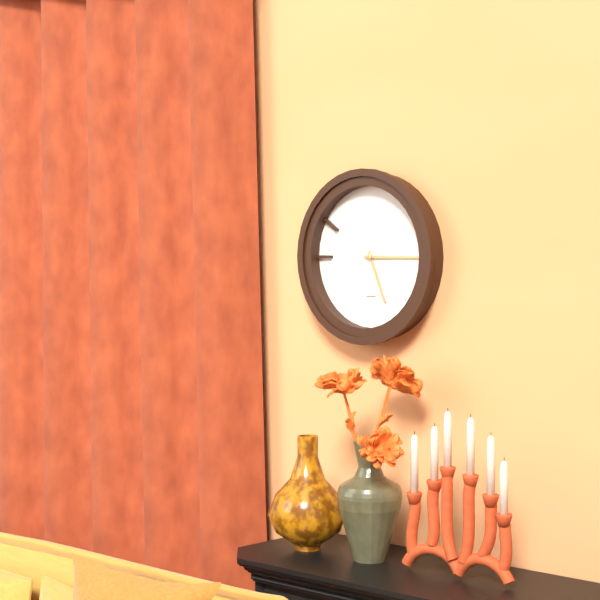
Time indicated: 5:15
